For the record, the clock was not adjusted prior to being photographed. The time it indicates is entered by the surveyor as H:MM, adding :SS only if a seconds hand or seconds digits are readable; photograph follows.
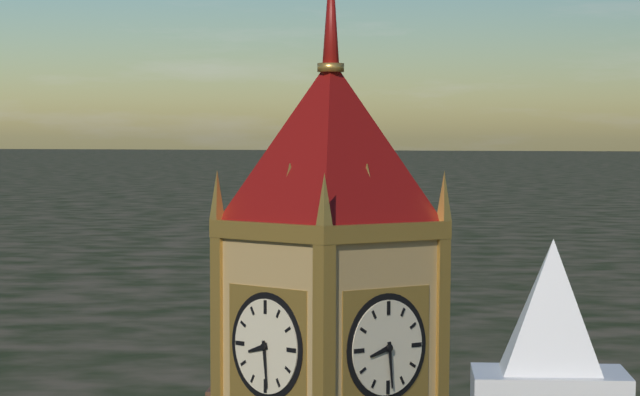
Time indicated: 8:29
